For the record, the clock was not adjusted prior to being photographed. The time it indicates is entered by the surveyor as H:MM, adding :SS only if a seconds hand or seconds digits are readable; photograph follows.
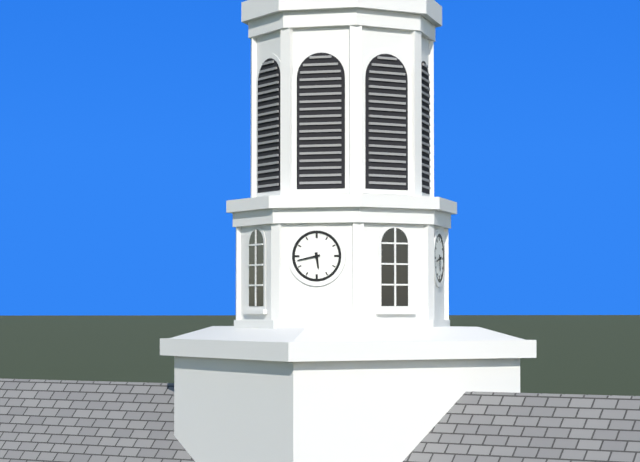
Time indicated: 5:43
